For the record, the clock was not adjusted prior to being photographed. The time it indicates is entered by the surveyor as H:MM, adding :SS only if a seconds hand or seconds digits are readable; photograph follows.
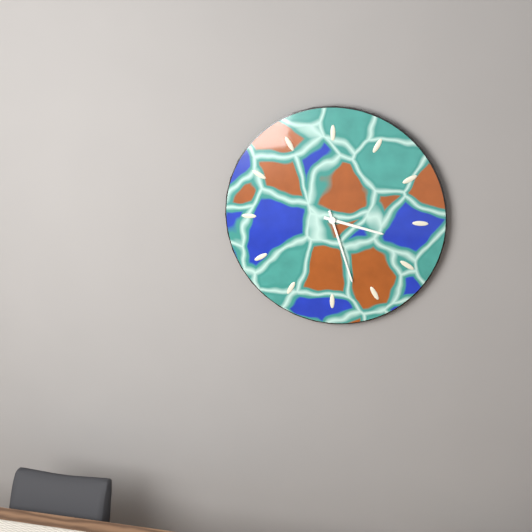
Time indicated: 3:27
